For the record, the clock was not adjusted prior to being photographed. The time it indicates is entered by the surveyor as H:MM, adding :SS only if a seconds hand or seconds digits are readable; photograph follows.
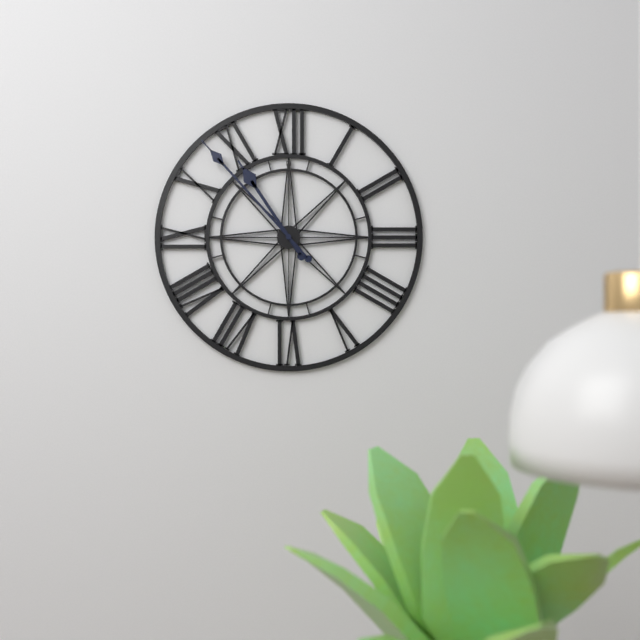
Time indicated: 10:53
